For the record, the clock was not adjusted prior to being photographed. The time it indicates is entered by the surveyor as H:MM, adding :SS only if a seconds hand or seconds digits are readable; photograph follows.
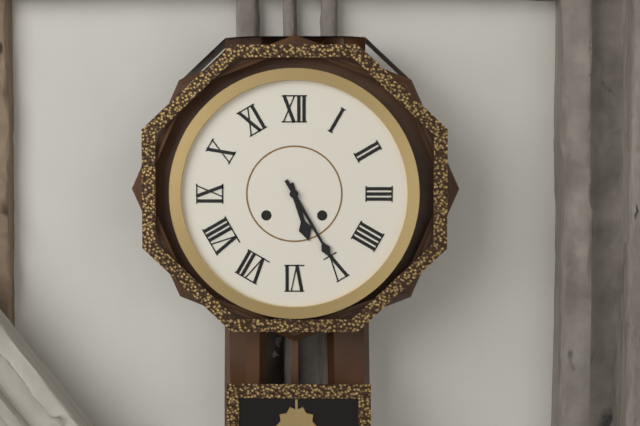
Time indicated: 5:25
